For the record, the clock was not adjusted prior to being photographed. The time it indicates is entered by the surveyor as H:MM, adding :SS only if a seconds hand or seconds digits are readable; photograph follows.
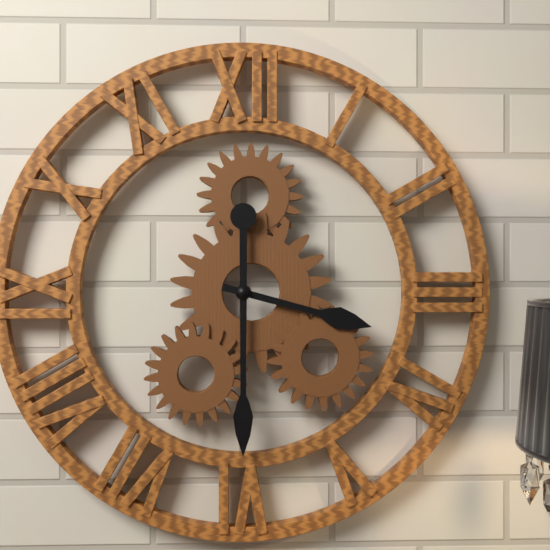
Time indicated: 3:30
